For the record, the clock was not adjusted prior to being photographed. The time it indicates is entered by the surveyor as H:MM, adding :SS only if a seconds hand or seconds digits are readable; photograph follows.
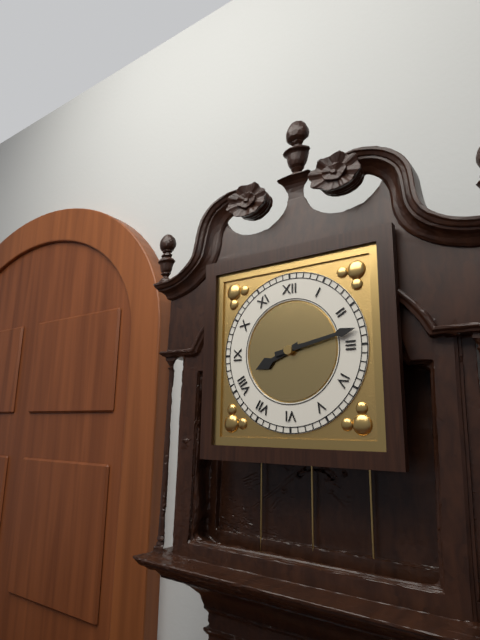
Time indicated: 8:13
